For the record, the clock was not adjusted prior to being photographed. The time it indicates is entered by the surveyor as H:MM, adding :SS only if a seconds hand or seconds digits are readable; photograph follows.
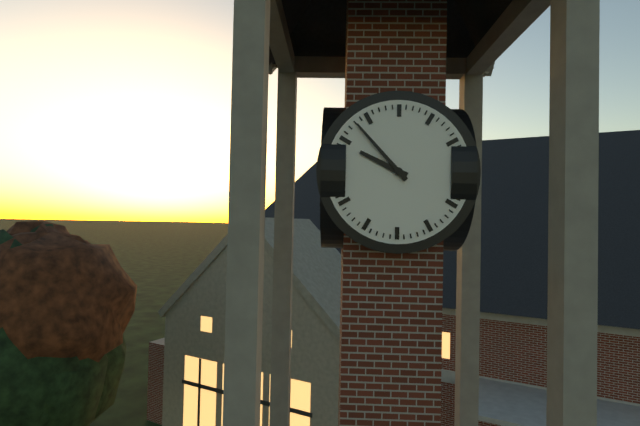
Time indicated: 9:53
